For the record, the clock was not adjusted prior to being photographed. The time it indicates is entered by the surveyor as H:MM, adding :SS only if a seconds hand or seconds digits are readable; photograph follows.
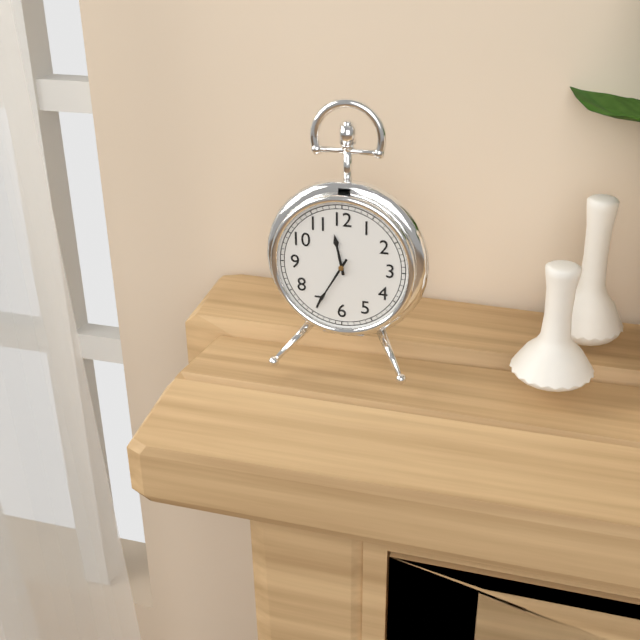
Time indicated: 11:35
